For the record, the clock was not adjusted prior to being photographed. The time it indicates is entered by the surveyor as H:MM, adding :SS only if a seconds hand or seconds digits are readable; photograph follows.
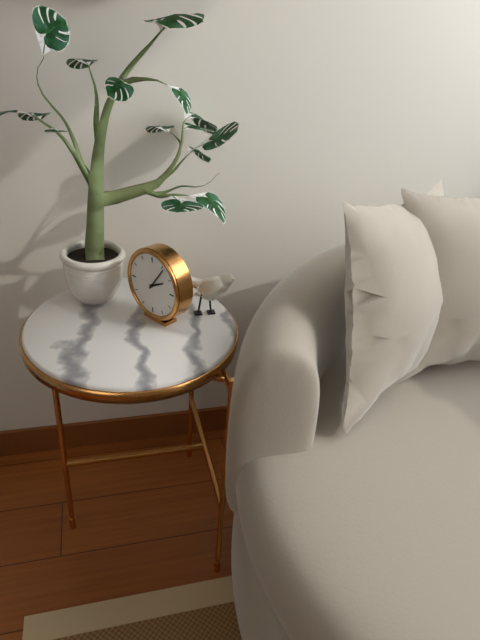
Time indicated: 2:06
